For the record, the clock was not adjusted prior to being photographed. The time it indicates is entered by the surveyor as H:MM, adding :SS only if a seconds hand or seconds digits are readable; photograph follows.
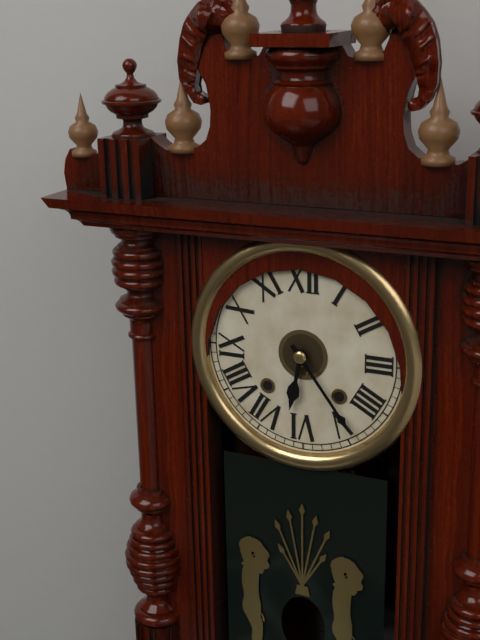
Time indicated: 6:24
